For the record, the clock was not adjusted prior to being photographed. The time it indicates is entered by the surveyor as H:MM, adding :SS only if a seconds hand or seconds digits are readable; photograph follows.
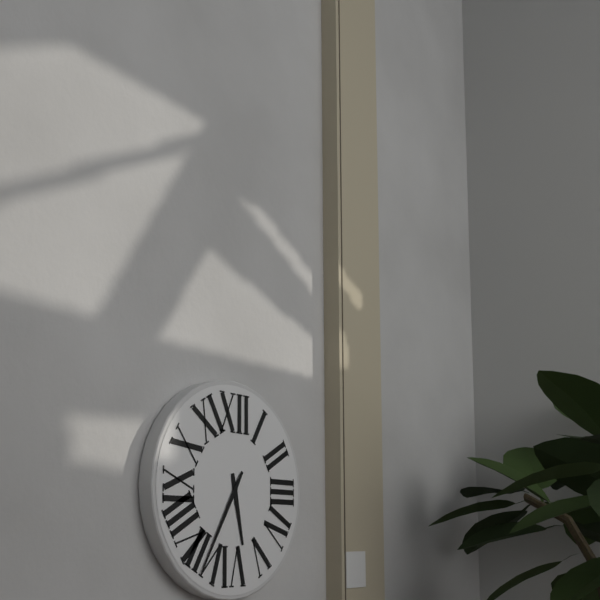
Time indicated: 5:35
